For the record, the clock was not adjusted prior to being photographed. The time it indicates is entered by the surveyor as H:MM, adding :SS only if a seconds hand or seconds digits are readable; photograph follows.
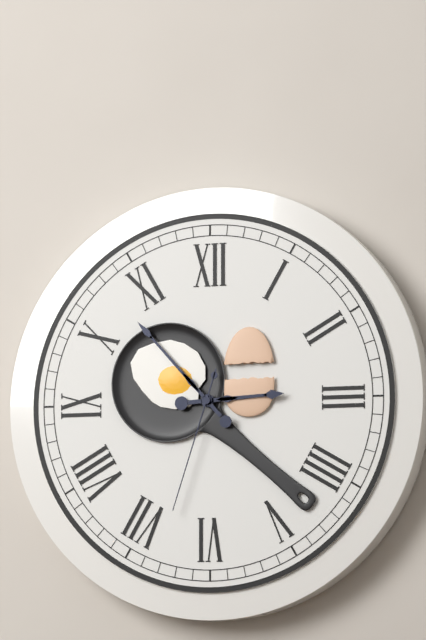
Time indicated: 2:53:33
